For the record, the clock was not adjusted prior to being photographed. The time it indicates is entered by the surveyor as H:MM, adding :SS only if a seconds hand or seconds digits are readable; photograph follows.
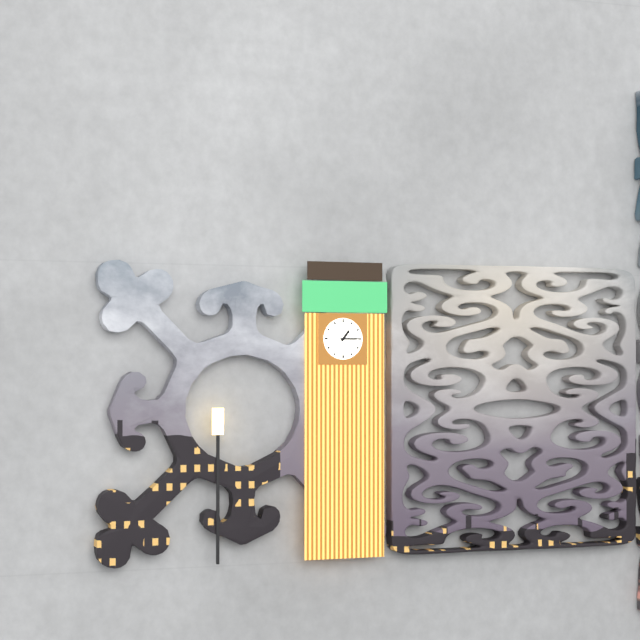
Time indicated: 1:15
